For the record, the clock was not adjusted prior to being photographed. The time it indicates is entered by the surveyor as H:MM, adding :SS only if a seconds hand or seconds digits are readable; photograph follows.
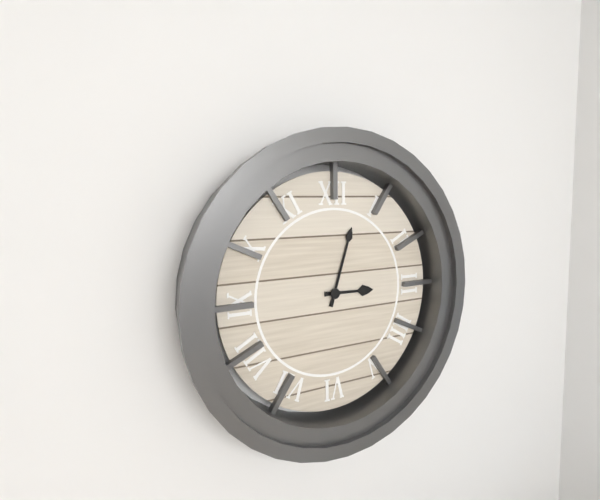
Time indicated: 3:03
